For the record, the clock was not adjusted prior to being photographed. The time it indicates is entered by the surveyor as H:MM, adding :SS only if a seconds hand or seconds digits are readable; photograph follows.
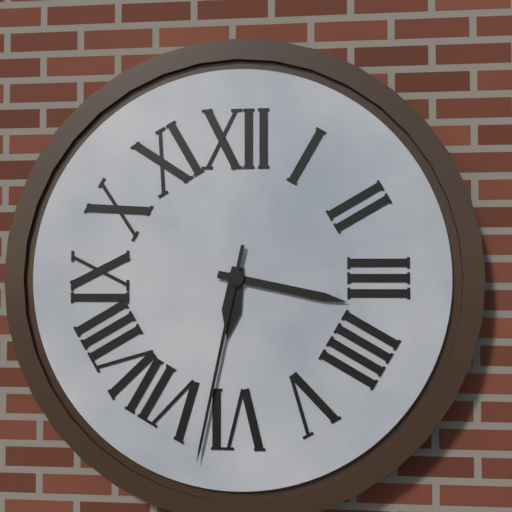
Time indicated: 6:17:32
